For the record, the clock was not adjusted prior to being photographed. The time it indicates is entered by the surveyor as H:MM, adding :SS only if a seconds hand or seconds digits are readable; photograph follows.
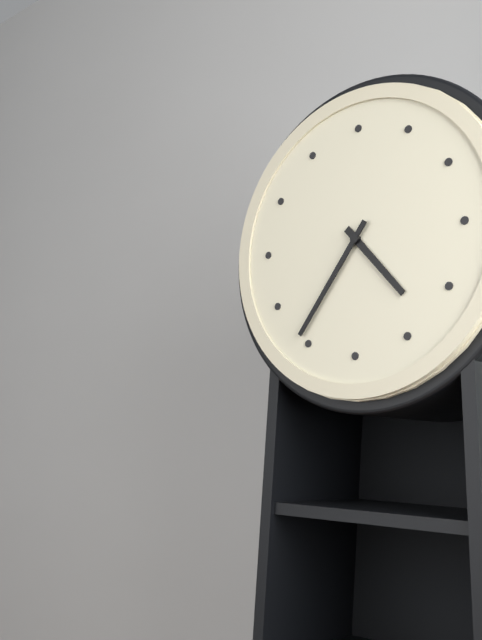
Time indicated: 4:36
